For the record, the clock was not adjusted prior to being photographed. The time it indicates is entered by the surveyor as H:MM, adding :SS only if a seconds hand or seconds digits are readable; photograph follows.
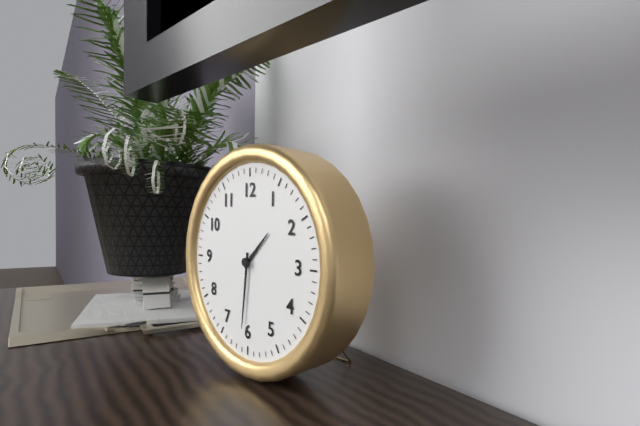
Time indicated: 1:31
